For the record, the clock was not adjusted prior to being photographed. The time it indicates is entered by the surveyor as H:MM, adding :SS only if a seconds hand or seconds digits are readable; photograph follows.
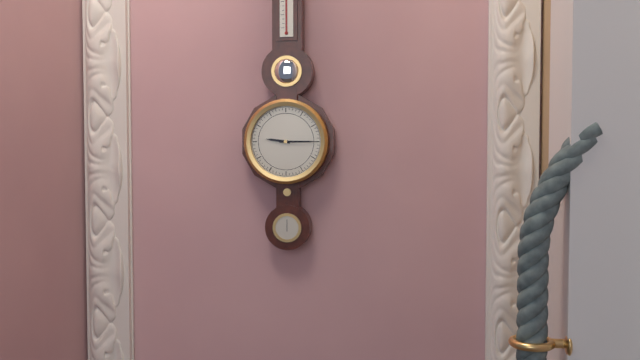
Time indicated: 9:15
